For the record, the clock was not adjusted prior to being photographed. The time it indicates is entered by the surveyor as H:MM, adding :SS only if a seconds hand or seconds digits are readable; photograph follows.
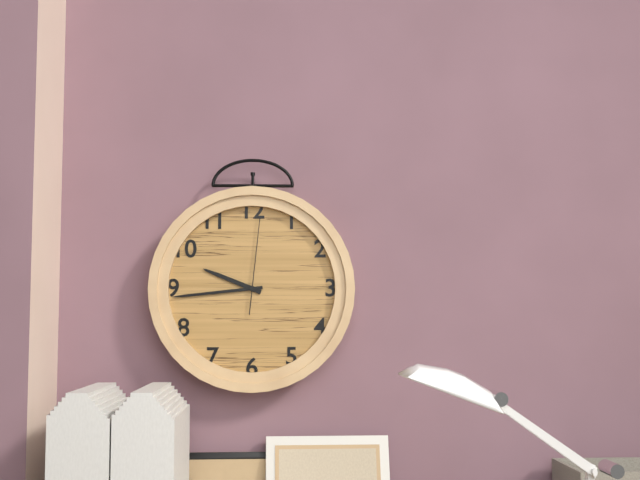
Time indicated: 9:44:01
